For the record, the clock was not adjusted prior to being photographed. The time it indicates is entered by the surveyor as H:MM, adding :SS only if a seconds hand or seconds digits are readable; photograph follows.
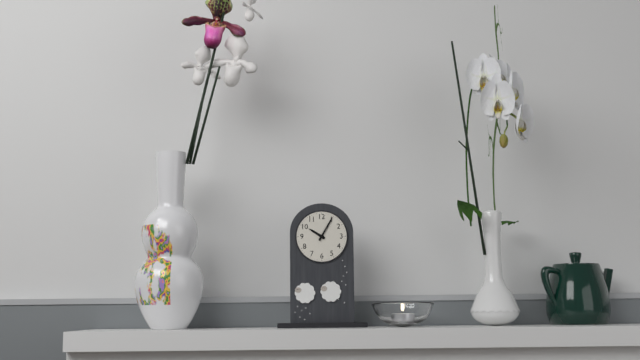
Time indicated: 10:05
